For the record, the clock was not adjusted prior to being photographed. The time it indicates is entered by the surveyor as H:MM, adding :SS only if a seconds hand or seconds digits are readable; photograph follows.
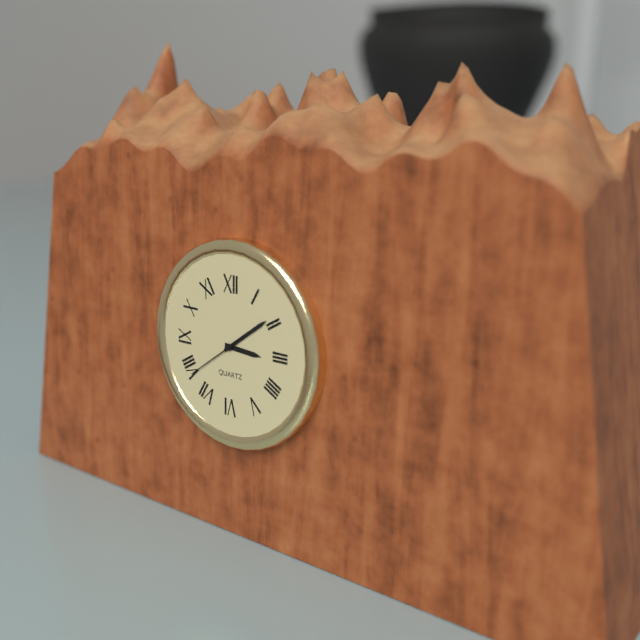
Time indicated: 3:09:39
